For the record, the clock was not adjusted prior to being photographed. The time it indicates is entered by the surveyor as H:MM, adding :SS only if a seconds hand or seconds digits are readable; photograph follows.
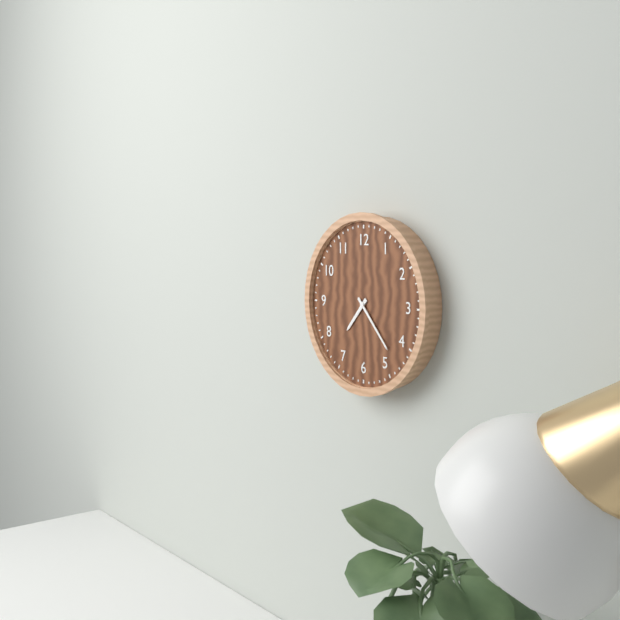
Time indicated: 7:23
